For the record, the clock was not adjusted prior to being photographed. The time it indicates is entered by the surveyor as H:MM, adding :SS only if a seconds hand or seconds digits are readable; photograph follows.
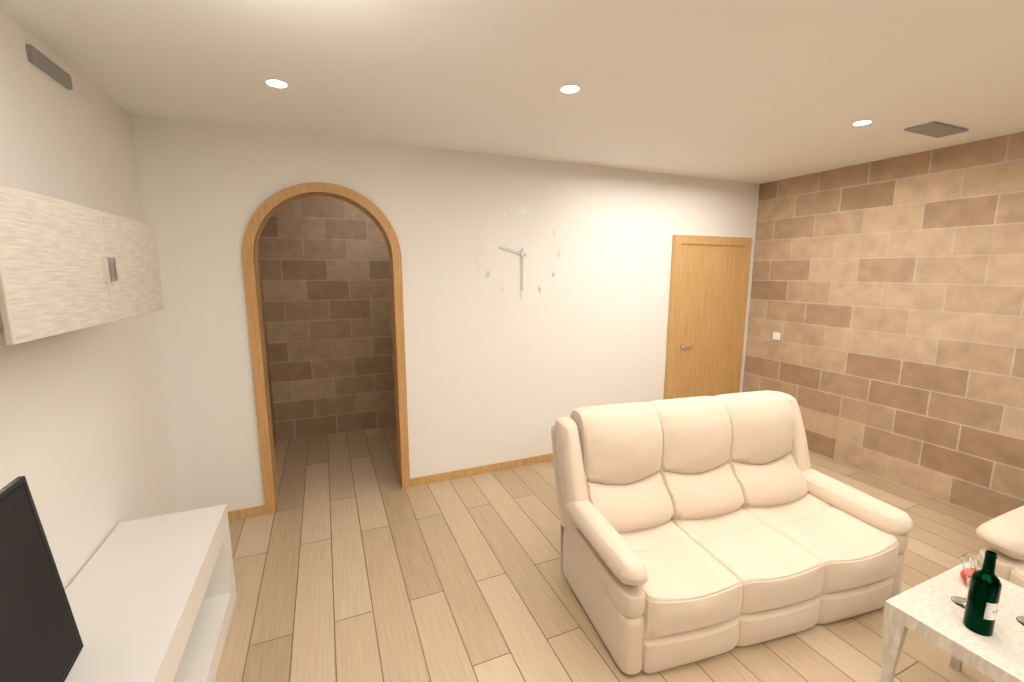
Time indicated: 9:30
